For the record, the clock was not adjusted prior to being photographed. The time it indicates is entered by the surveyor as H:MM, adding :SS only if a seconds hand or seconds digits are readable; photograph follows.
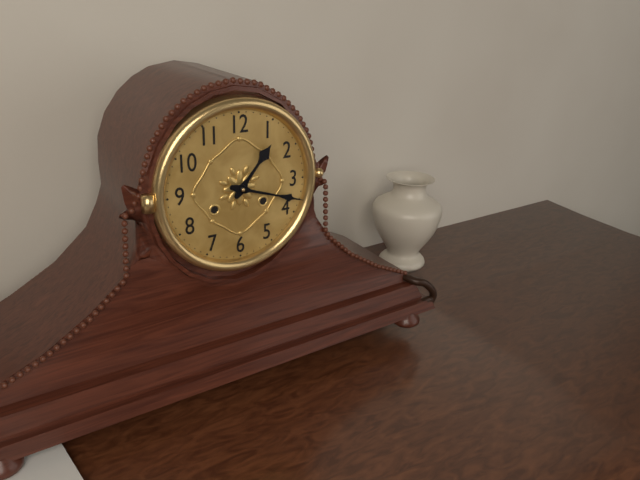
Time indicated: 1:18
